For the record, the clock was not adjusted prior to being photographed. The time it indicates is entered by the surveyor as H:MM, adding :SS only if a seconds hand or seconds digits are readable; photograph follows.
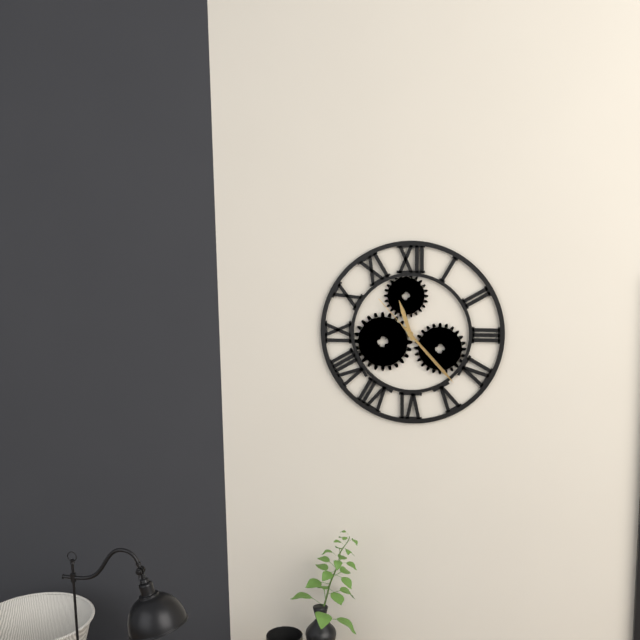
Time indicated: 11:23:53
